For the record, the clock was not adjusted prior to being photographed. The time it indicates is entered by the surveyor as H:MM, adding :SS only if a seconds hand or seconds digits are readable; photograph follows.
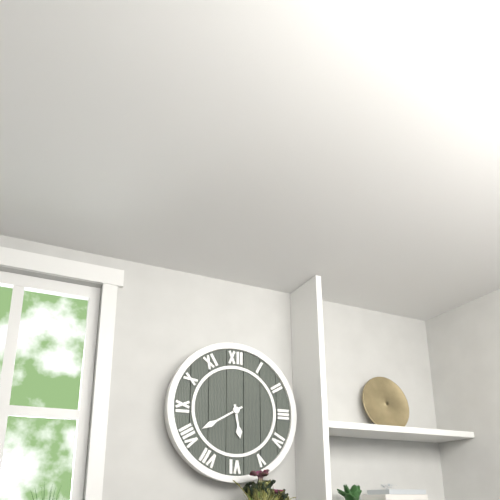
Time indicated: 5:40
